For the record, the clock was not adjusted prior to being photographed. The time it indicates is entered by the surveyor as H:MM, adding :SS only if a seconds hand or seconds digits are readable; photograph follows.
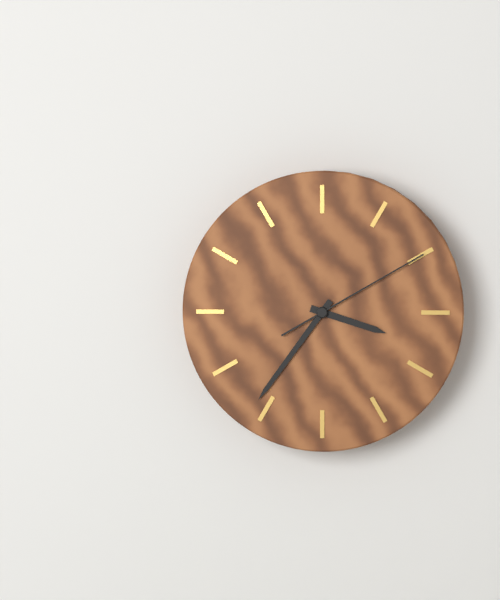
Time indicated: 3:36:10
